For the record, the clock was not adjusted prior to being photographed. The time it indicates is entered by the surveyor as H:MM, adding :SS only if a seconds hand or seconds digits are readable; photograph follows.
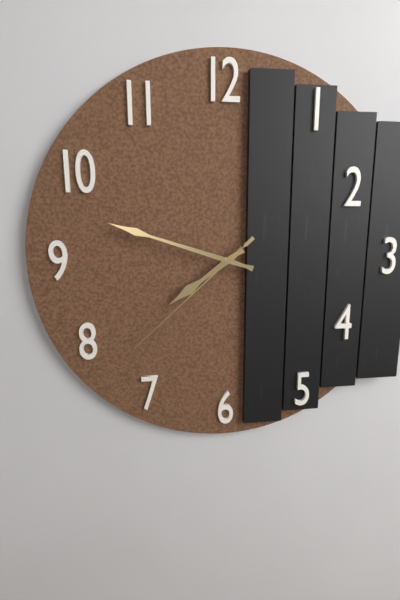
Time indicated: 7:48:38
